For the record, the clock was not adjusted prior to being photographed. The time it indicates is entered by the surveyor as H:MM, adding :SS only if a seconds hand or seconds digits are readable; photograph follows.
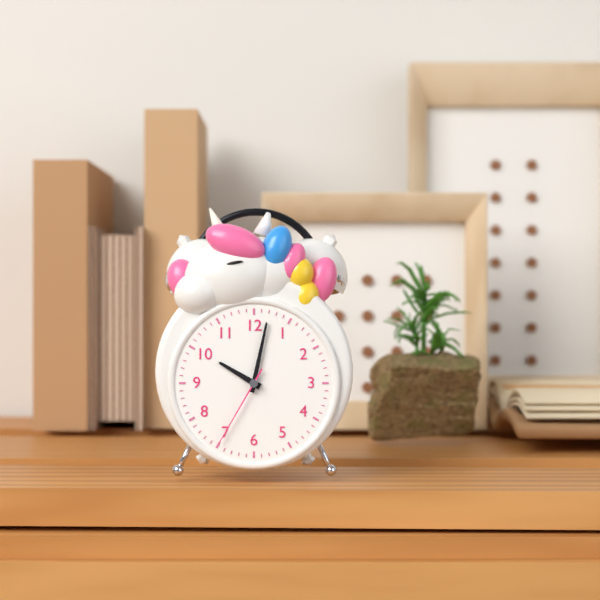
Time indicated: 10:02:35
